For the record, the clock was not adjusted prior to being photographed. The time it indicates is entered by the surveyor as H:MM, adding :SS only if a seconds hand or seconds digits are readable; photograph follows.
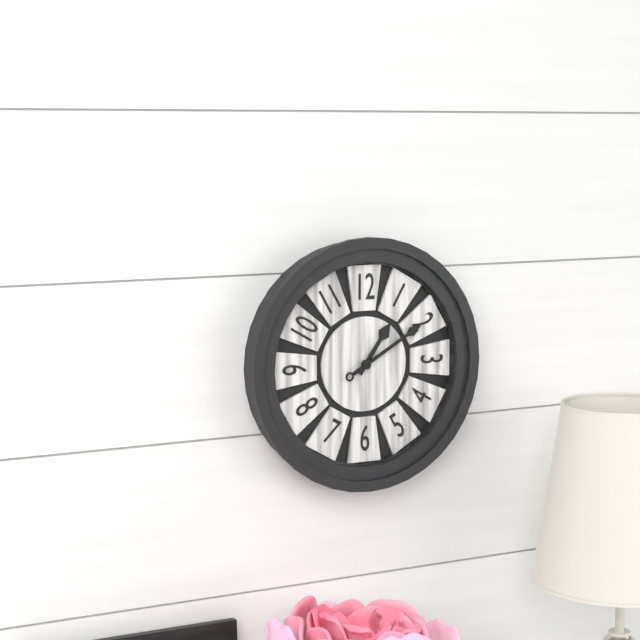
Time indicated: 1:10
